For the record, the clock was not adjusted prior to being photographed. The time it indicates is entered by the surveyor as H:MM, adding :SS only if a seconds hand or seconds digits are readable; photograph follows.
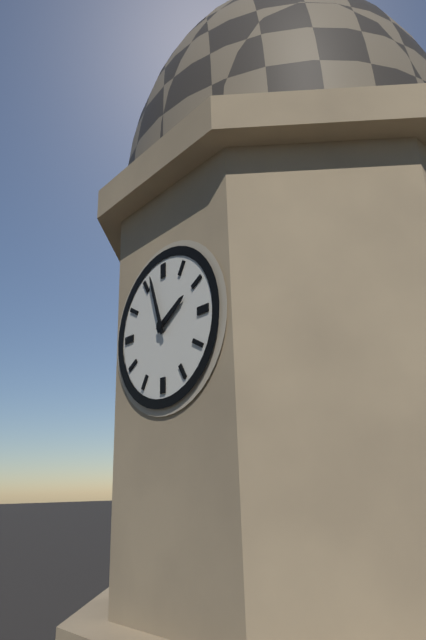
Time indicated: 1:57
